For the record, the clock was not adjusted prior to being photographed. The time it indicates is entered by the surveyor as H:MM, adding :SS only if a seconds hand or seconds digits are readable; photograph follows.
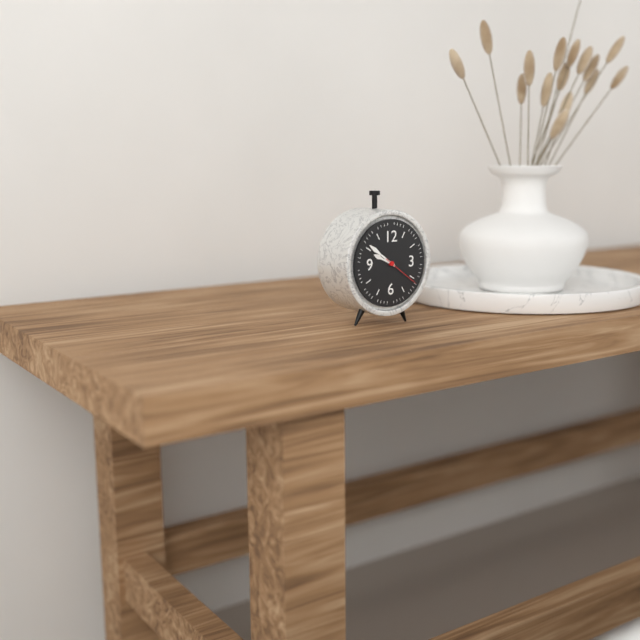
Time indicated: 9:51
